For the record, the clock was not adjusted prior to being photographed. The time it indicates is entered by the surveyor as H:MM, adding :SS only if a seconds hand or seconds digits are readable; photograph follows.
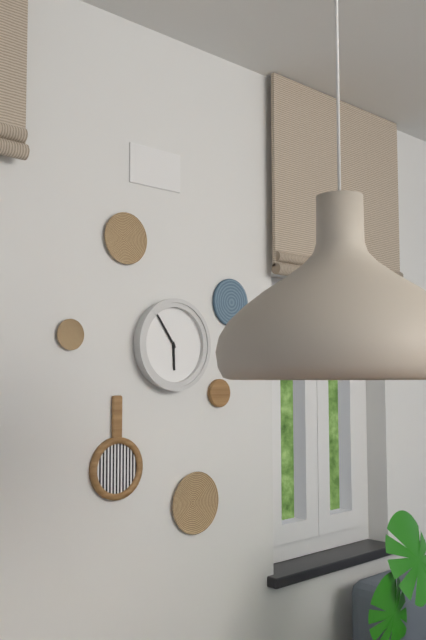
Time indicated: 5:54
